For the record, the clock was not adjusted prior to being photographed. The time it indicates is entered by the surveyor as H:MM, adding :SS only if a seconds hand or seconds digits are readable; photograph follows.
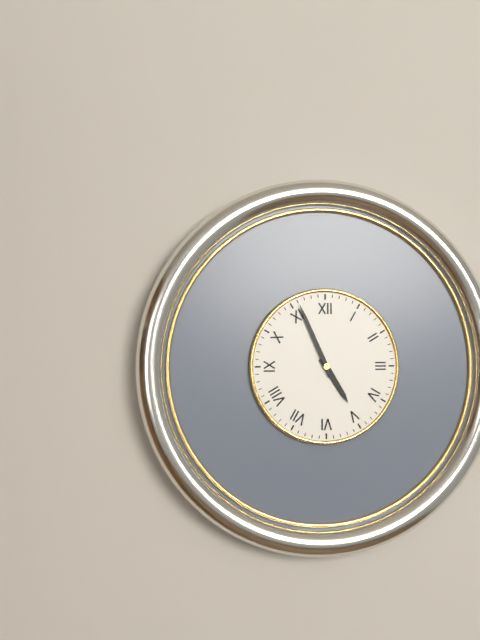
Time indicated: 4:56
